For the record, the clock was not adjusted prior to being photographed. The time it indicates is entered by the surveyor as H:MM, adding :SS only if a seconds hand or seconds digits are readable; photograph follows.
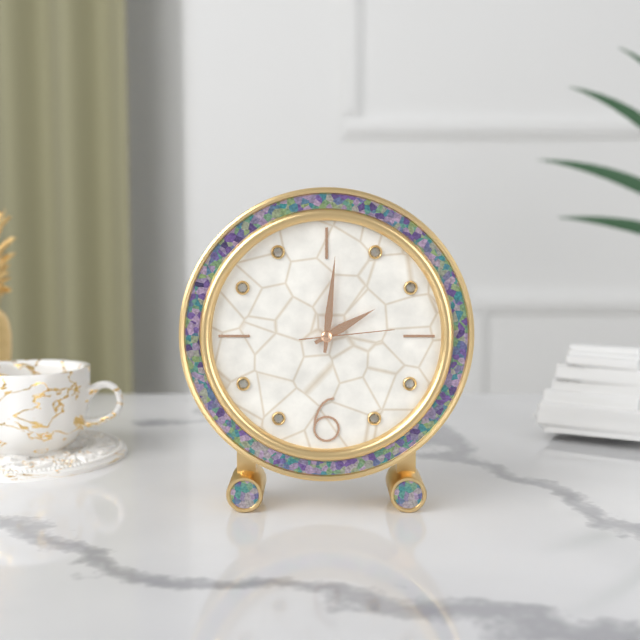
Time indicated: 2:01:14
